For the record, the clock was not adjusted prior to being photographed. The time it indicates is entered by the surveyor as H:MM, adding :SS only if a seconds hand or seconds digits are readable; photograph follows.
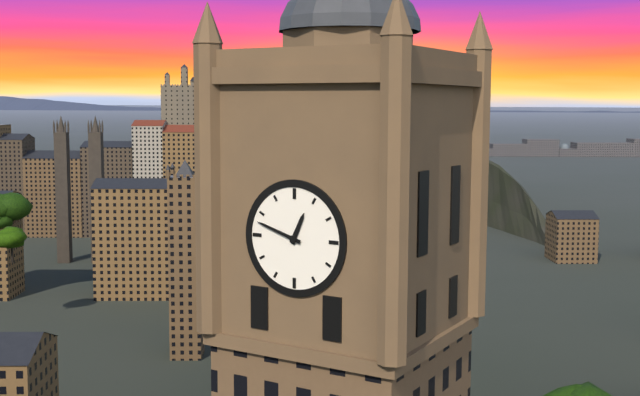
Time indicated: 12:48
